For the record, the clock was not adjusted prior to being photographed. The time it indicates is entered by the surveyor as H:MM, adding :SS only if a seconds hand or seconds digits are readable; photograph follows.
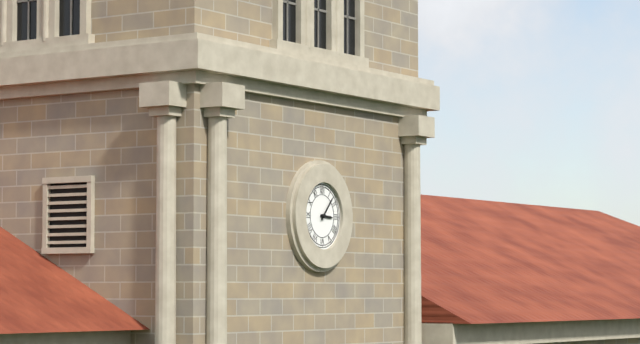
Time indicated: 3:07
